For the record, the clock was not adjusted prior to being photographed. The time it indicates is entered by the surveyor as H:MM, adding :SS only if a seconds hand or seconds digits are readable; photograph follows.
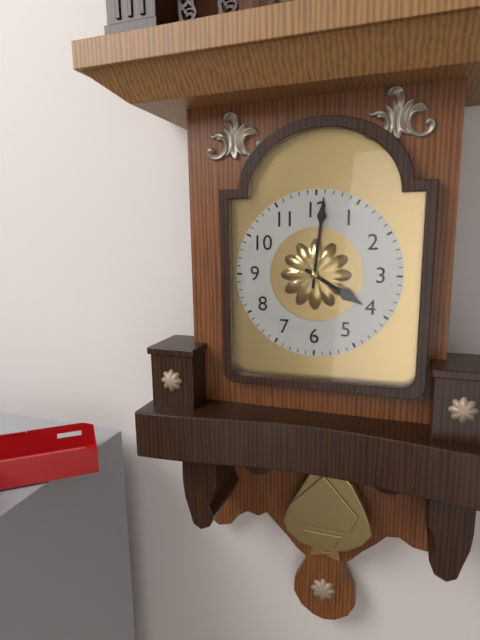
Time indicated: 4:01
